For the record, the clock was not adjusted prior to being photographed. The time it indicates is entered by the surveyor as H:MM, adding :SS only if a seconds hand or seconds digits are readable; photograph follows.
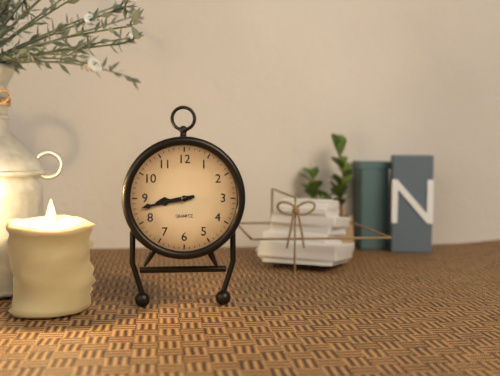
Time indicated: 8:43
